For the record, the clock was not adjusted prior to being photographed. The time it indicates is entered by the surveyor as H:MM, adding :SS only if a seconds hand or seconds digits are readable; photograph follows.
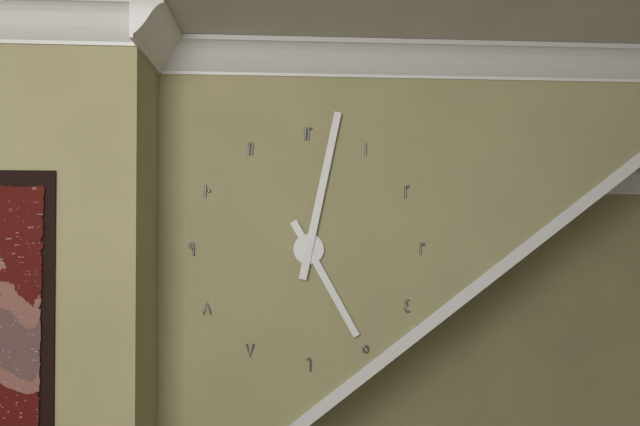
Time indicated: 5:02
